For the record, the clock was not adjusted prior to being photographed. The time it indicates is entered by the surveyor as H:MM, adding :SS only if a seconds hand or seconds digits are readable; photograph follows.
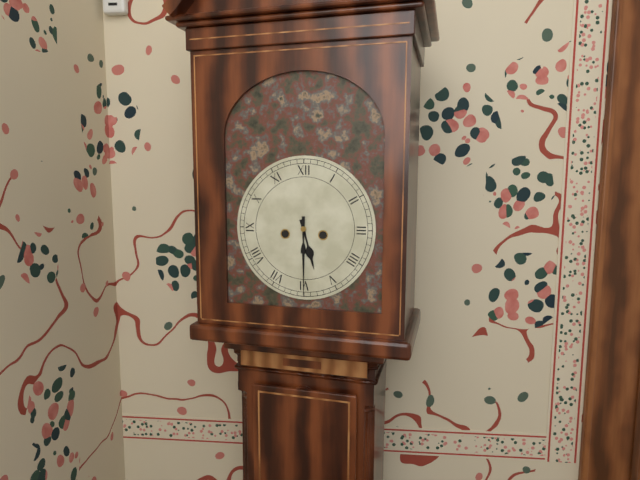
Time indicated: 5:30
